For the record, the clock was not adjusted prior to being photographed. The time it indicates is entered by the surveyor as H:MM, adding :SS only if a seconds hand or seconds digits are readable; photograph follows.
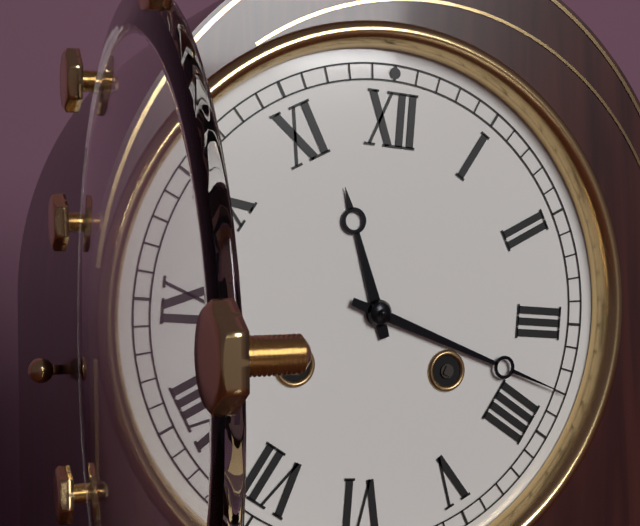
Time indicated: 11:18
